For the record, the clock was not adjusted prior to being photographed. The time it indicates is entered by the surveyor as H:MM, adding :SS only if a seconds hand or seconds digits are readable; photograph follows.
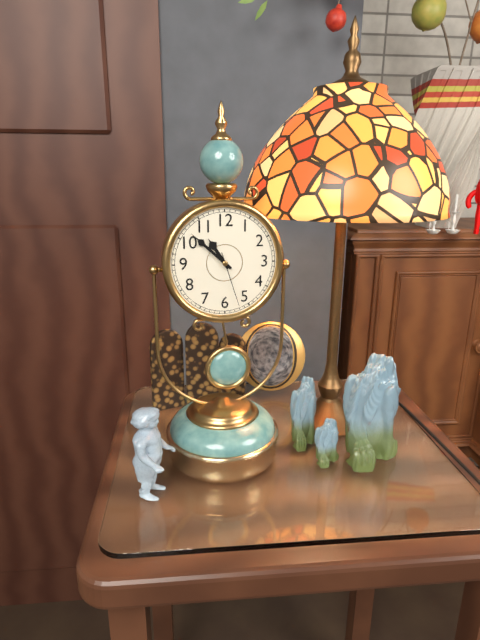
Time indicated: 10:52:27
